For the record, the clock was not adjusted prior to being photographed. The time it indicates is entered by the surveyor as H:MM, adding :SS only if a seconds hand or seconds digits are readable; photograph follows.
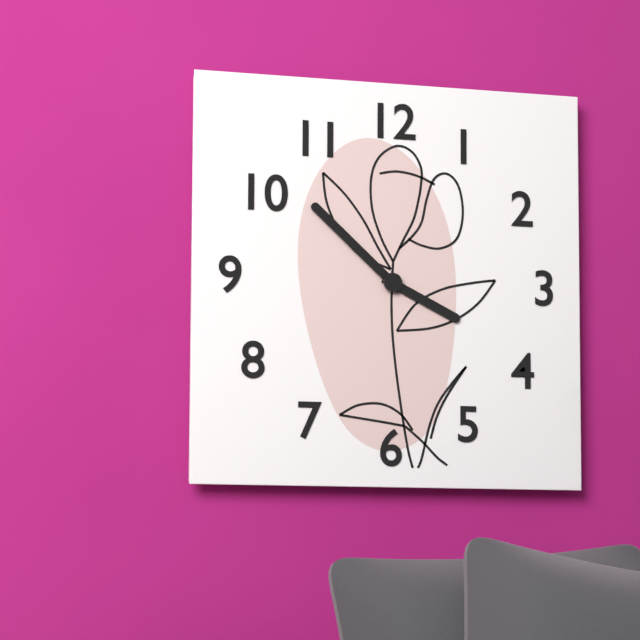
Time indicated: 3:52
